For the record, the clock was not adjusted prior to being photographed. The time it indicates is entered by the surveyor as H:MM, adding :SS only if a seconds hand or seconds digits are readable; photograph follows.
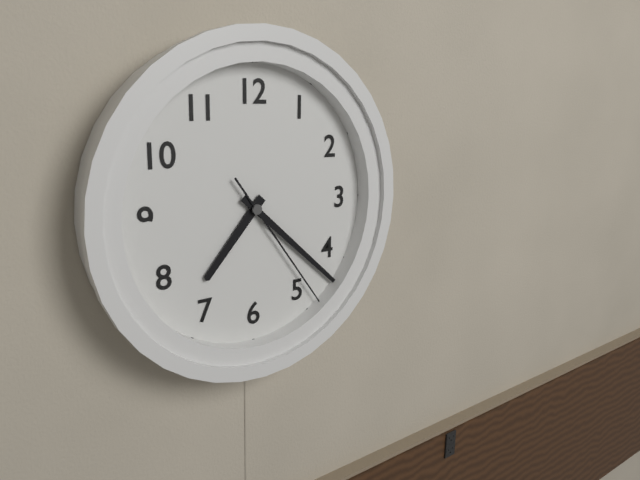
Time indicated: 7:22:24
